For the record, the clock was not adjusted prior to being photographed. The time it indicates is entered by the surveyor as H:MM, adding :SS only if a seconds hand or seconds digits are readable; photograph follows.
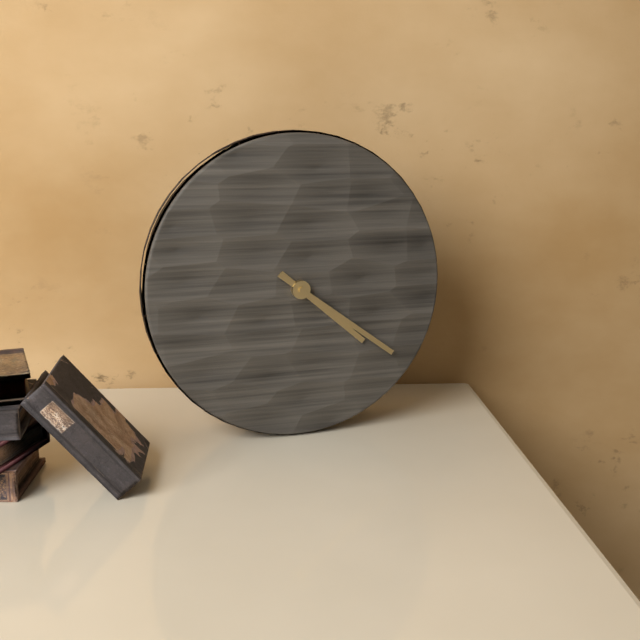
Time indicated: 4:21
